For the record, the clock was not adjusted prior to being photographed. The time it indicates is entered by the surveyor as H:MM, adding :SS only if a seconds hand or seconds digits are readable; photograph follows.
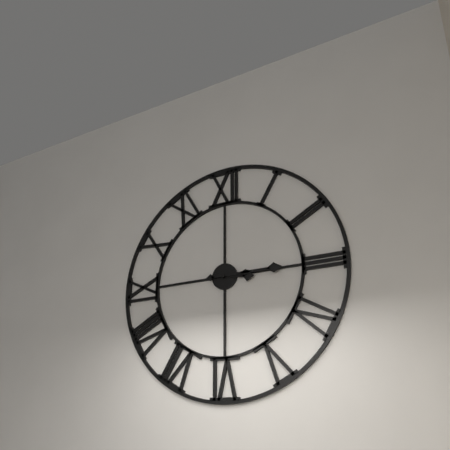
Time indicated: 3:15
